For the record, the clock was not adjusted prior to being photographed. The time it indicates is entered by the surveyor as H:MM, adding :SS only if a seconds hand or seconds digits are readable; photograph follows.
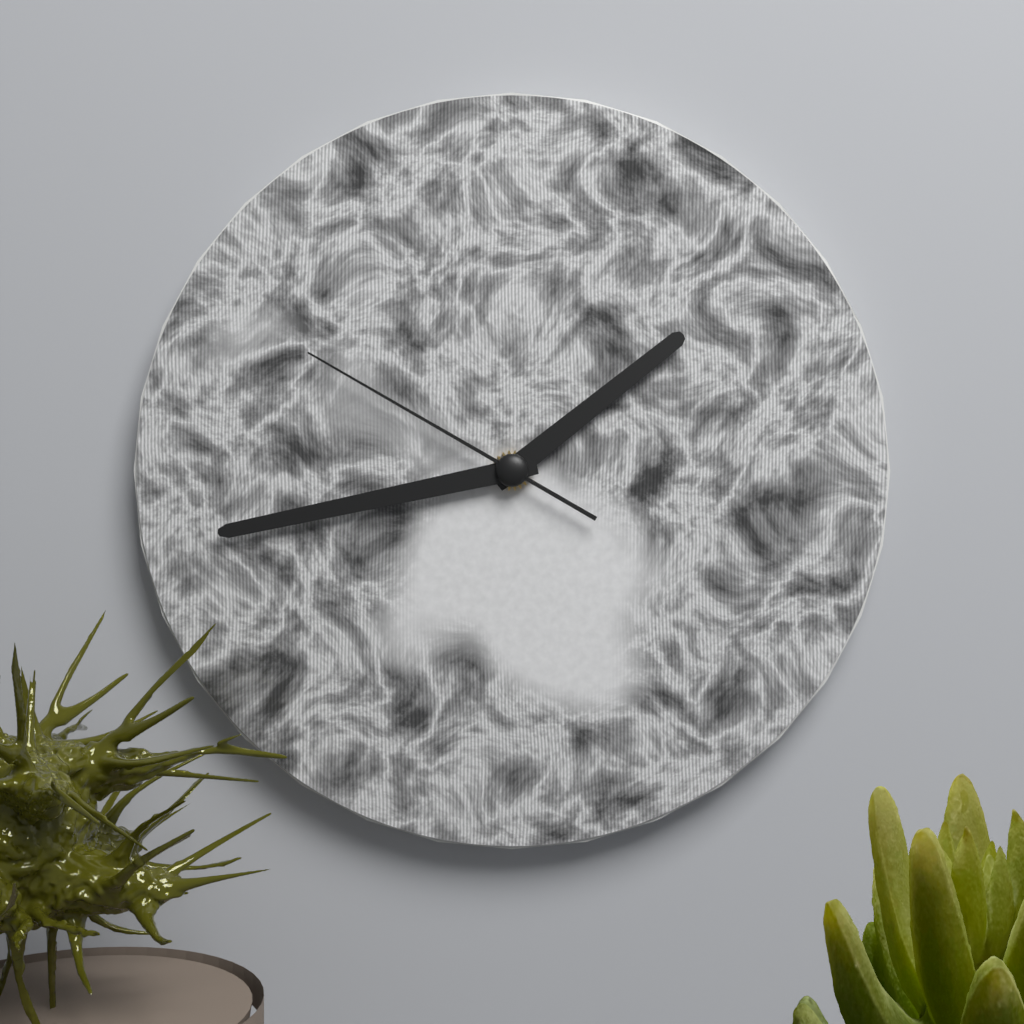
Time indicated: 1:43:50
